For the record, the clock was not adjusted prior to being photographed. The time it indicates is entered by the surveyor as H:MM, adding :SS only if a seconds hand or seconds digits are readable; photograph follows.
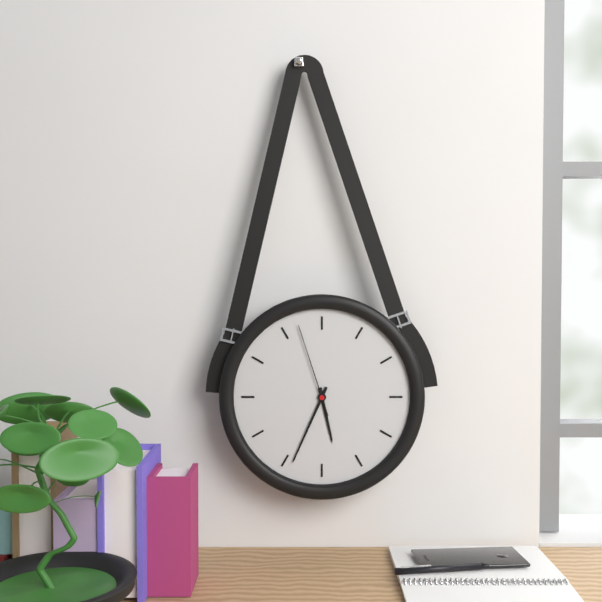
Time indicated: 5:34:57
